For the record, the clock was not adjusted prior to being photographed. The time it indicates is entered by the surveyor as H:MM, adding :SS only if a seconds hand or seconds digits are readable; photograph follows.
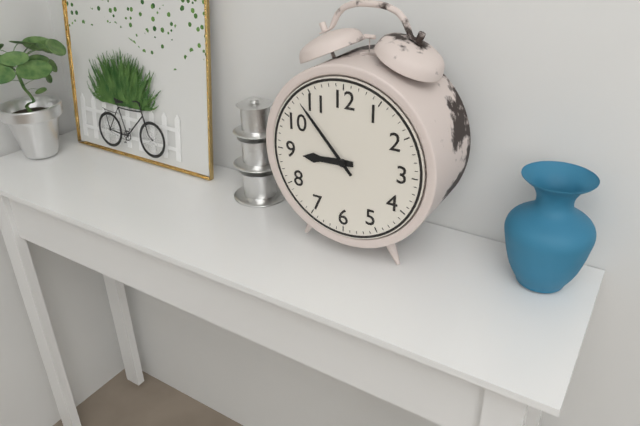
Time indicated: 8:53
